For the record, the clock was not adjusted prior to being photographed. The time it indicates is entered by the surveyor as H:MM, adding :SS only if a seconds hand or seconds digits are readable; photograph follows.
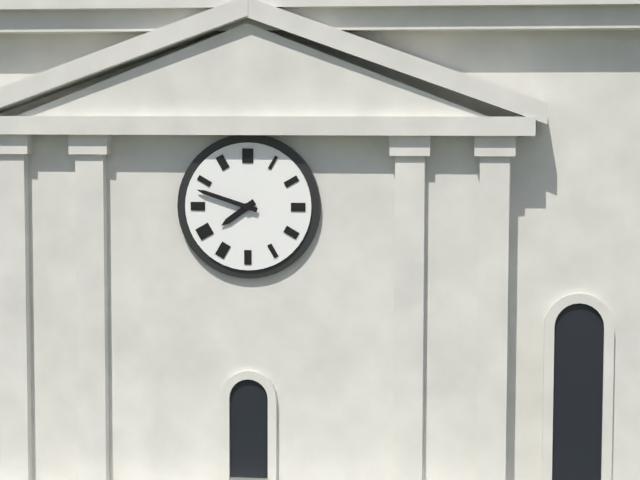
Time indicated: 7:48
